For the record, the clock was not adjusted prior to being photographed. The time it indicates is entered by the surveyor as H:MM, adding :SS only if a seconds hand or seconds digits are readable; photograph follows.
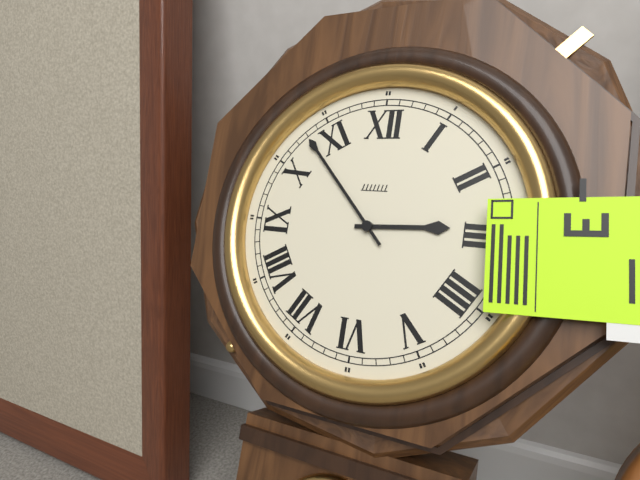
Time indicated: 2:53
